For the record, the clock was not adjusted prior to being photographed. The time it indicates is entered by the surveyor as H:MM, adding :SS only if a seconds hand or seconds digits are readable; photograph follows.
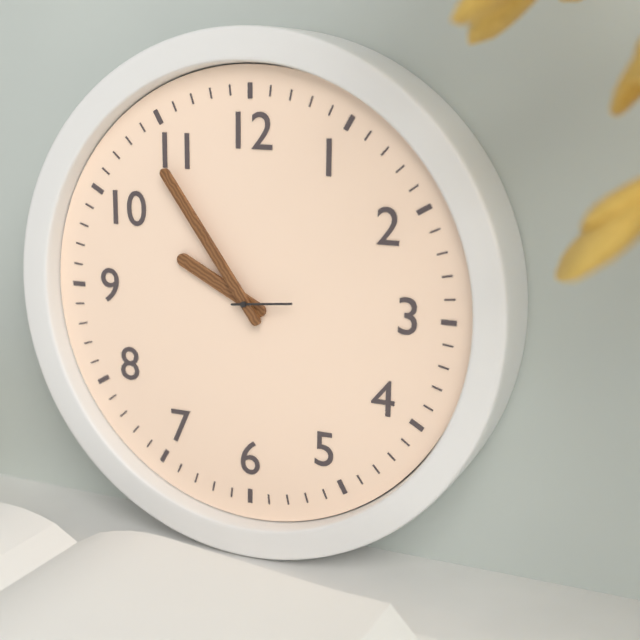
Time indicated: 9:54:14
